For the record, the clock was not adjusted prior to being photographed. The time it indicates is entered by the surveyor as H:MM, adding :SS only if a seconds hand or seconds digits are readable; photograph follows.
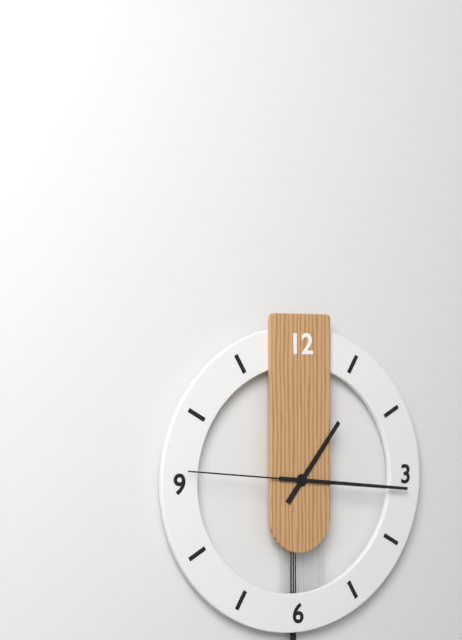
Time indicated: 1:16:46
